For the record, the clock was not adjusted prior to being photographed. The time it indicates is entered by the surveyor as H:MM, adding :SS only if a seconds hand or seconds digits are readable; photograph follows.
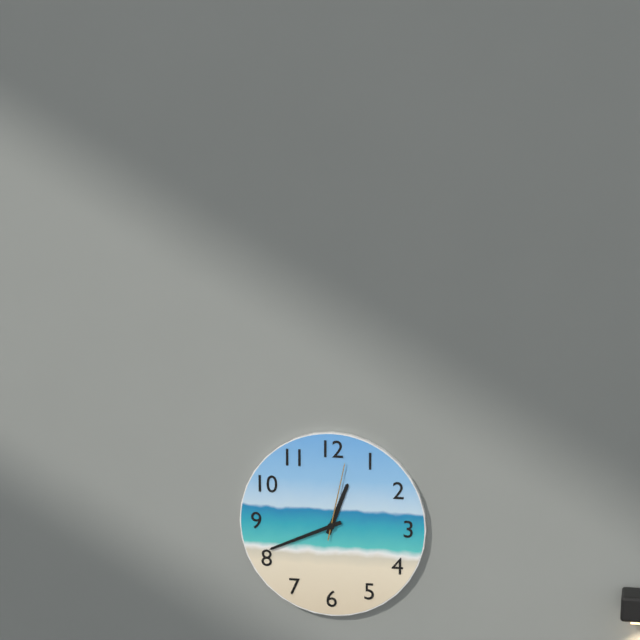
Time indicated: 12:41:02
